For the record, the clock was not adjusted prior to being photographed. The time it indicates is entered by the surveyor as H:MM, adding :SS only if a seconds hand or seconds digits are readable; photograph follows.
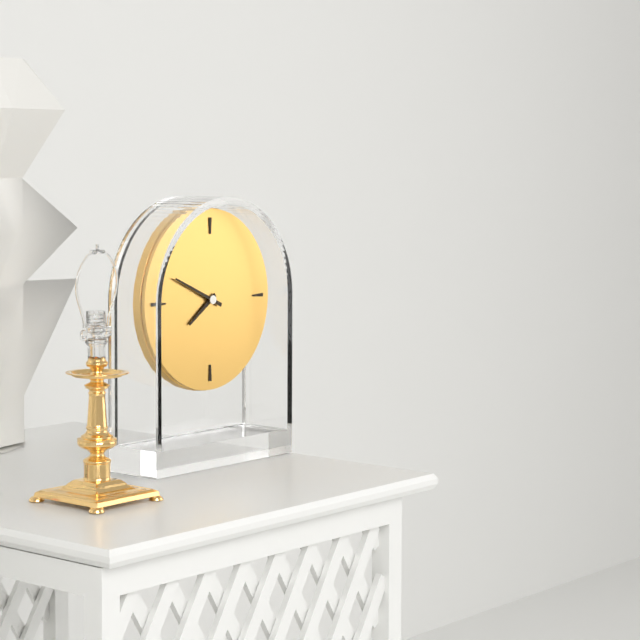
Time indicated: 7:49
